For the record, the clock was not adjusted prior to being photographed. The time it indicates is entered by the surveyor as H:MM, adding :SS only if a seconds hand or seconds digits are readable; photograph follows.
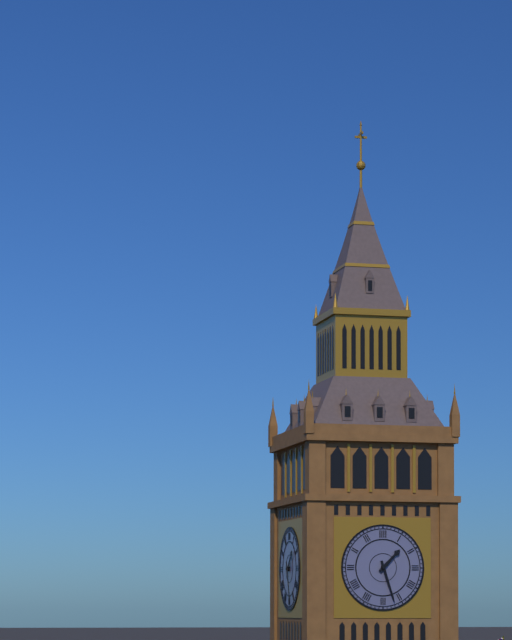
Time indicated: 1:27
